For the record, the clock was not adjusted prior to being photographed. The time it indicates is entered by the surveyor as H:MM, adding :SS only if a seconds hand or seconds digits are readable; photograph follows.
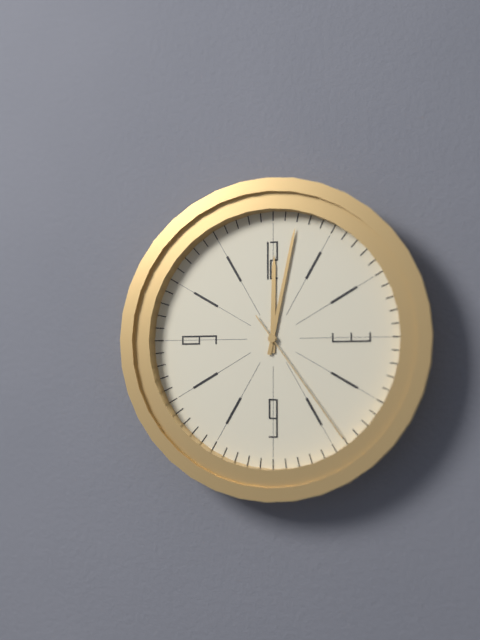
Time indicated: 12:02:24
